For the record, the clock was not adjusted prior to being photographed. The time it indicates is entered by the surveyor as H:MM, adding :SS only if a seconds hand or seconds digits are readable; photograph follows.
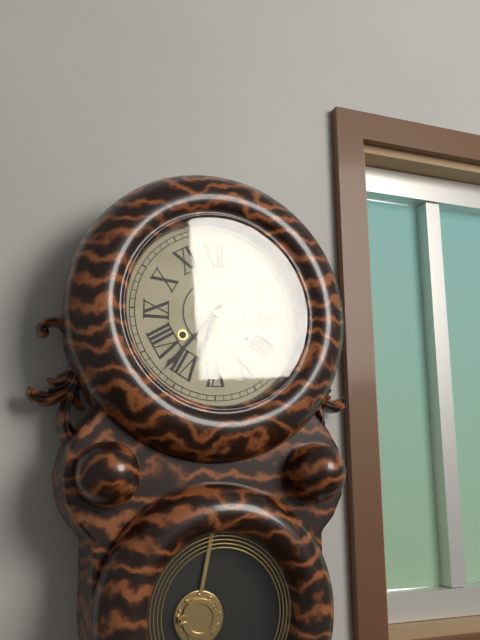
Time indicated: 6:37
